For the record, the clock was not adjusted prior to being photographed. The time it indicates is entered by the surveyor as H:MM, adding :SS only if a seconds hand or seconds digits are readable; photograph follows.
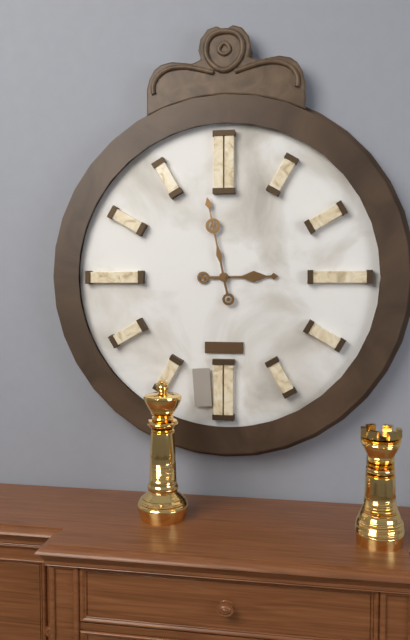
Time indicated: 2:58
